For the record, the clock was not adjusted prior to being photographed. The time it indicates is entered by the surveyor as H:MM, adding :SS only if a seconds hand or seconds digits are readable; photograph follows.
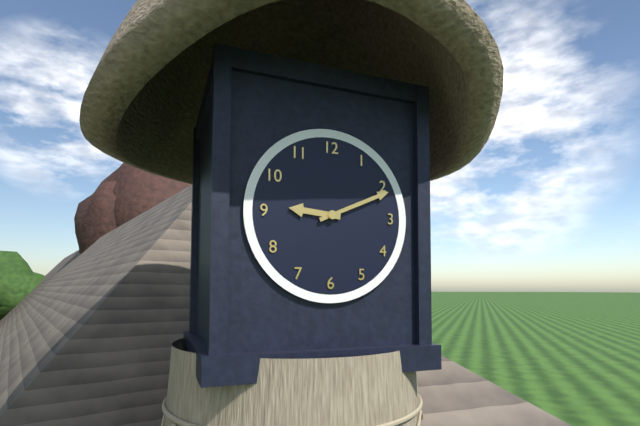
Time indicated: 9:11
